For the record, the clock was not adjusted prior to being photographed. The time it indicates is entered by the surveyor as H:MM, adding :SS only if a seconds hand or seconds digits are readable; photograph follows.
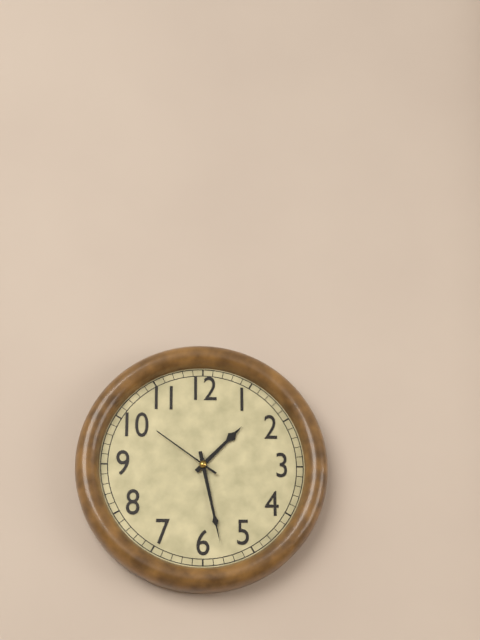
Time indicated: 1:28:51
